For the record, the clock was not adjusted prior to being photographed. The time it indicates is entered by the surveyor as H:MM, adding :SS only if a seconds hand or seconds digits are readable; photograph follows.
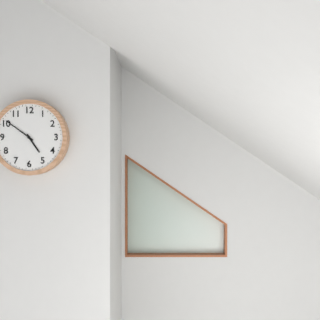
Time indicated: 4:51
